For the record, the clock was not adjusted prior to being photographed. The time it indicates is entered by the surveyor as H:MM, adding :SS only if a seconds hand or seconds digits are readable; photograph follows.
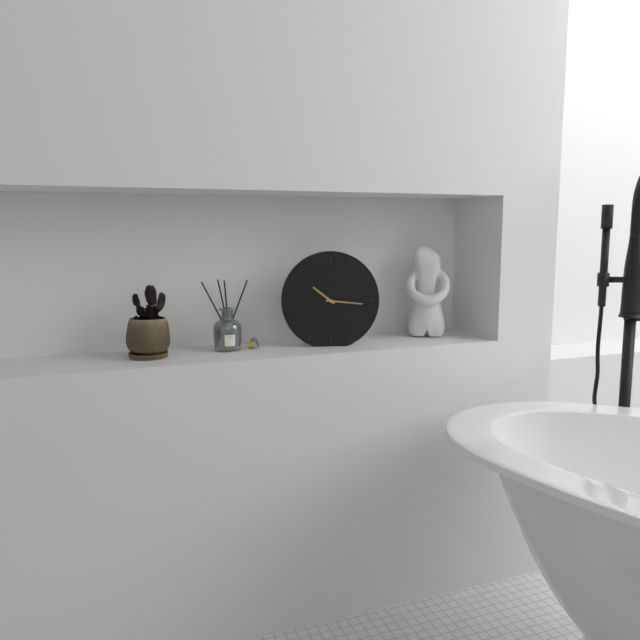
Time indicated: 10:16
